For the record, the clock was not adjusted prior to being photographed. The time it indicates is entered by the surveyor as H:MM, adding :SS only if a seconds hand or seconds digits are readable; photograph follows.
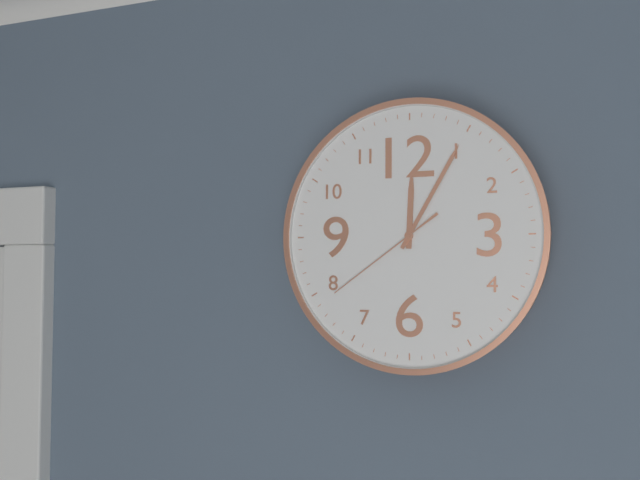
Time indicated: 12:05:39
